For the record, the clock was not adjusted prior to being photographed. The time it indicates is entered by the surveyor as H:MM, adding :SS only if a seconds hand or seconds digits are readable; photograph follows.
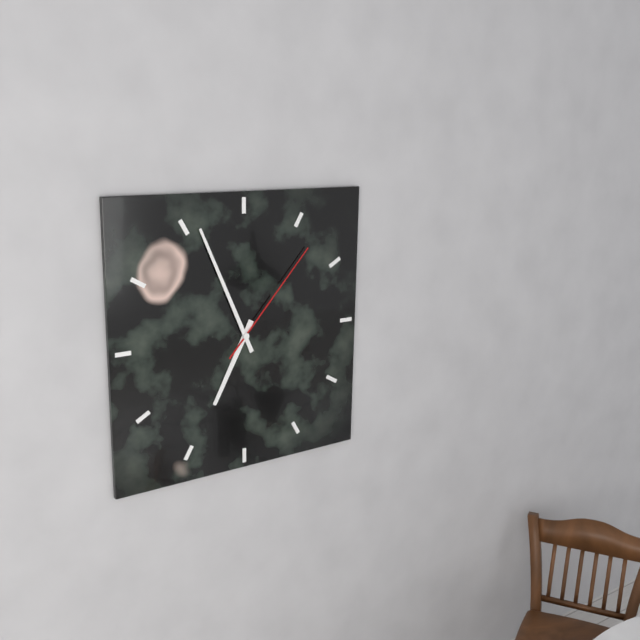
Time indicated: 6:56:07
